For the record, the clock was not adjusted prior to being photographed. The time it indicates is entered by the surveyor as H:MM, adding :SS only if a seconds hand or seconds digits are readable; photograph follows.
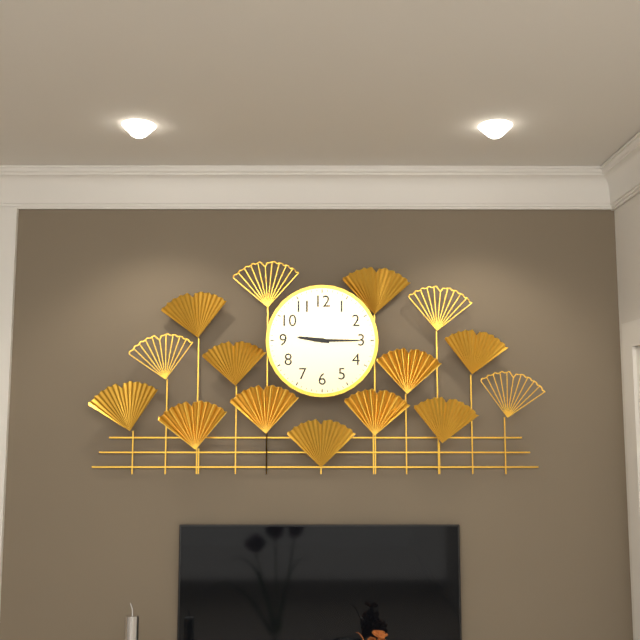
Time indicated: 9:15
